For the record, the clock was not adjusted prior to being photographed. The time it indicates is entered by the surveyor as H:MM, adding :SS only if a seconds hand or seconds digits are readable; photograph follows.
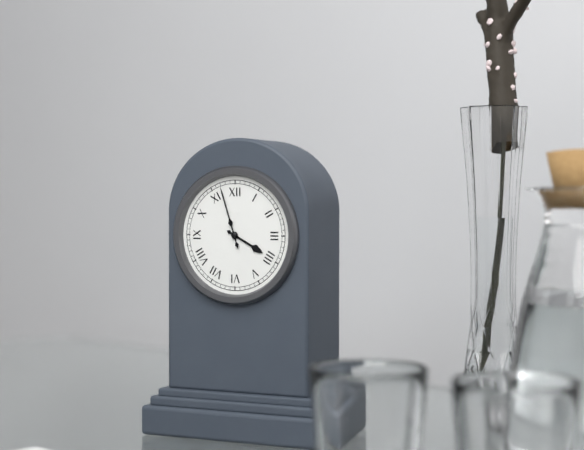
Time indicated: 3:57
